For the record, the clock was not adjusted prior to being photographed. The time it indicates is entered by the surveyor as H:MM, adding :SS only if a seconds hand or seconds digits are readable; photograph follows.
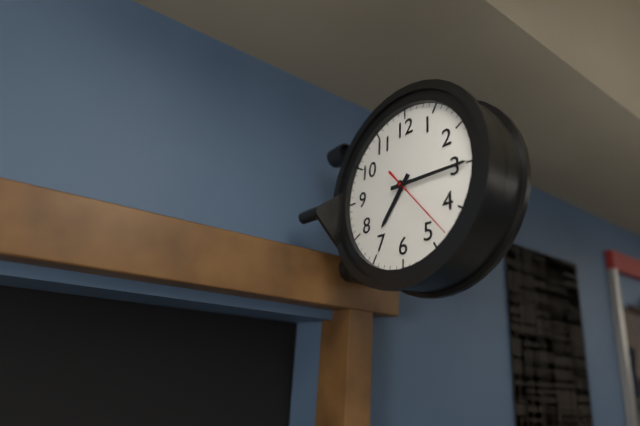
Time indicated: 7:15:23
